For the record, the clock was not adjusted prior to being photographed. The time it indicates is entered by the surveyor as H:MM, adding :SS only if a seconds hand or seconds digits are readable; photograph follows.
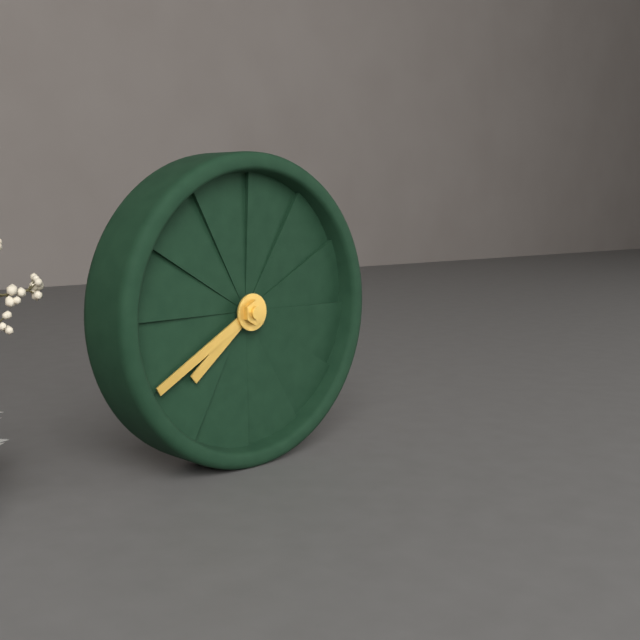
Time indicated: 7:40
